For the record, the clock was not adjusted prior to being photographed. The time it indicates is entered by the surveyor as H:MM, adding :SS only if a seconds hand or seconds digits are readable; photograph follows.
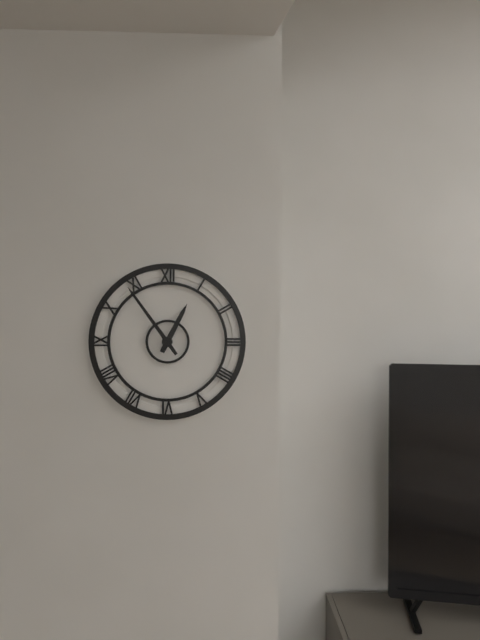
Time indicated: 12:54
